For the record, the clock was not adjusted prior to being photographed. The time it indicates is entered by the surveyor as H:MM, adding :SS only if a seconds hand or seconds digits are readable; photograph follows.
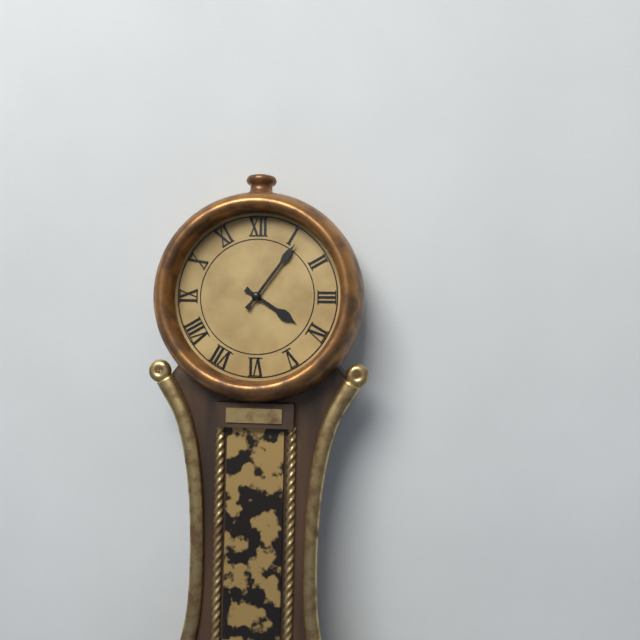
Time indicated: 4:06
